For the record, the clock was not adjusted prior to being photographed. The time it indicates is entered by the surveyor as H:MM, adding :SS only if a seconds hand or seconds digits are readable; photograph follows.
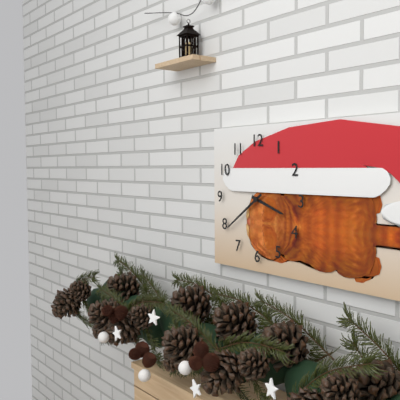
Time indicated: 3:39
